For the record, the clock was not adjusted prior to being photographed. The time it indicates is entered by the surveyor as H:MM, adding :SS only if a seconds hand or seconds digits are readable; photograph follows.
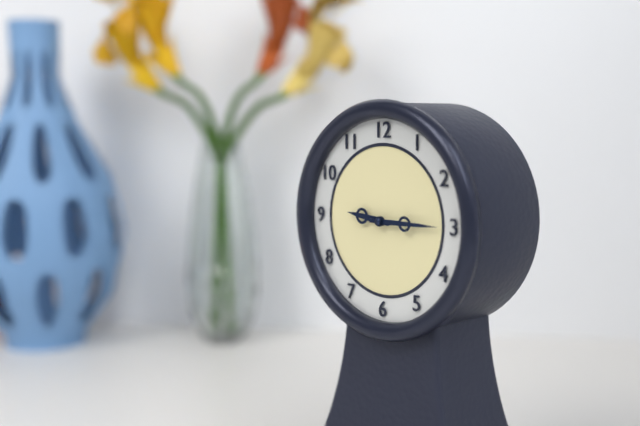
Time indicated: 9:15
